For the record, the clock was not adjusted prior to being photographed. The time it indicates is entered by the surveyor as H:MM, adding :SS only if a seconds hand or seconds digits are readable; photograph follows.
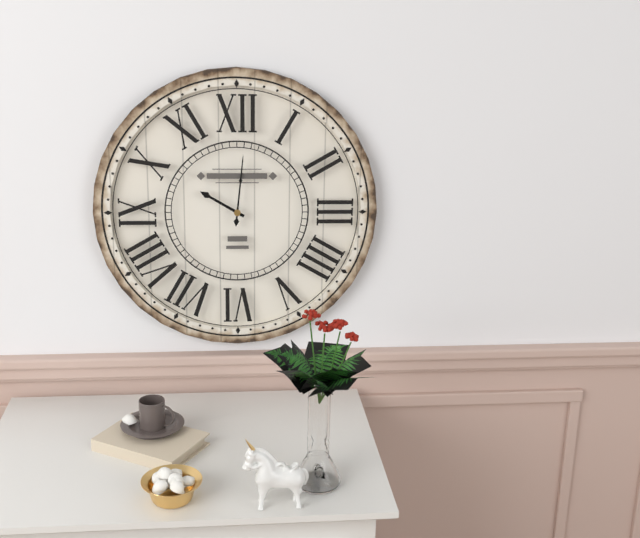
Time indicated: 10:01
